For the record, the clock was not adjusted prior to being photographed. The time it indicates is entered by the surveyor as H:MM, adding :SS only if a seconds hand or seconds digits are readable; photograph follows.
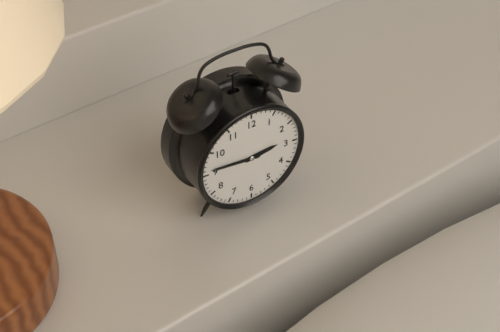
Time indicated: 2:46
